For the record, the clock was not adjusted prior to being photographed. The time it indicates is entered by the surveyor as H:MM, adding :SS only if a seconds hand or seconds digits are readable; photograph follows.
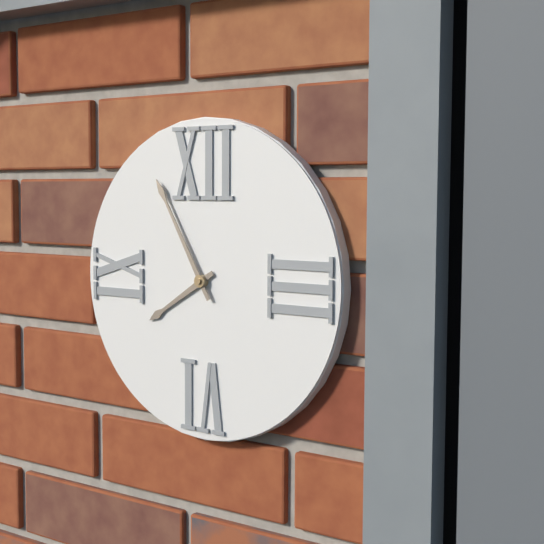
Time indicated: 7:55
